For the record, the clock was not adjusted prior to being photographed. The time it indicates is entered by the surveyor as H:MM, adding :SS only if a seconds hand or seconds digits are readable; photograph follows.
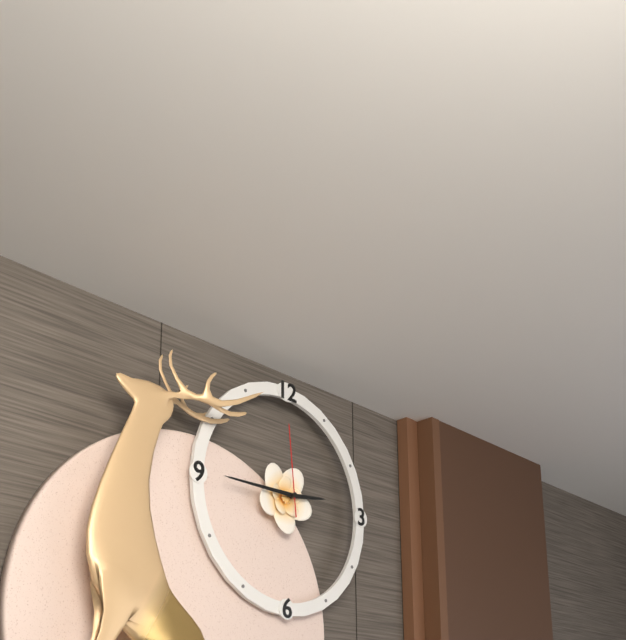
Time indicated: 2:45:59
